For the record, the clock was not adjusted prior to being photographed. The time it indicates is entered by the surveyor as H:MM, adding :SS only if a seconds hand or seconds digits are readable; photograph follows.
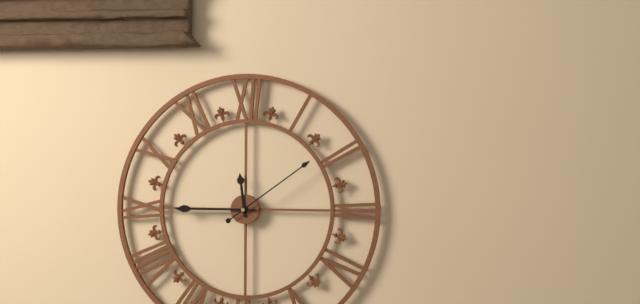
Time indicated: 11:45:09
